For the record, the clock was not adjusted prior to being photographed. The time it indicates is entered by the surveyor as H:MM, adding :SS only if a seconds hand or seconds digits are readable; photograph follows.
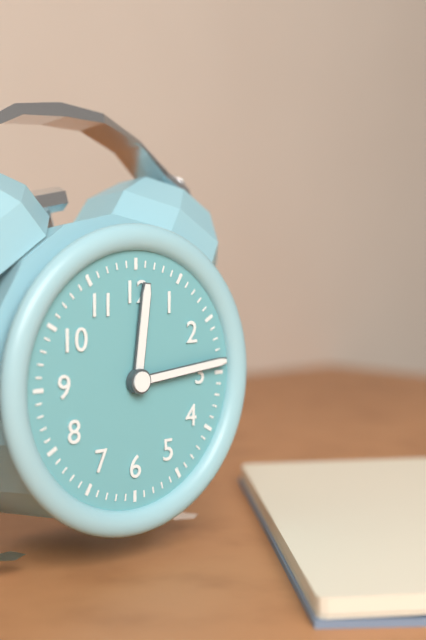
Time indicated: 12:14
